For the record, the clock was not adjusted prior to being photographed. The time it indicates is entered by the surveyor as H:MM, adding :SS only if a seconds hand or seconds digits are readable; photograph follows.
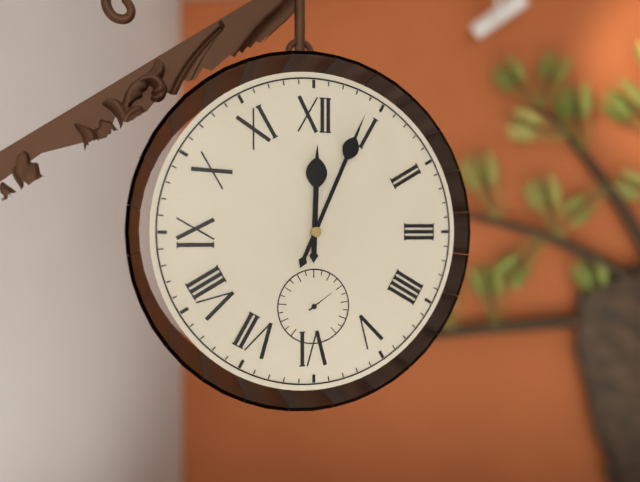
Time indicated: 12:04
